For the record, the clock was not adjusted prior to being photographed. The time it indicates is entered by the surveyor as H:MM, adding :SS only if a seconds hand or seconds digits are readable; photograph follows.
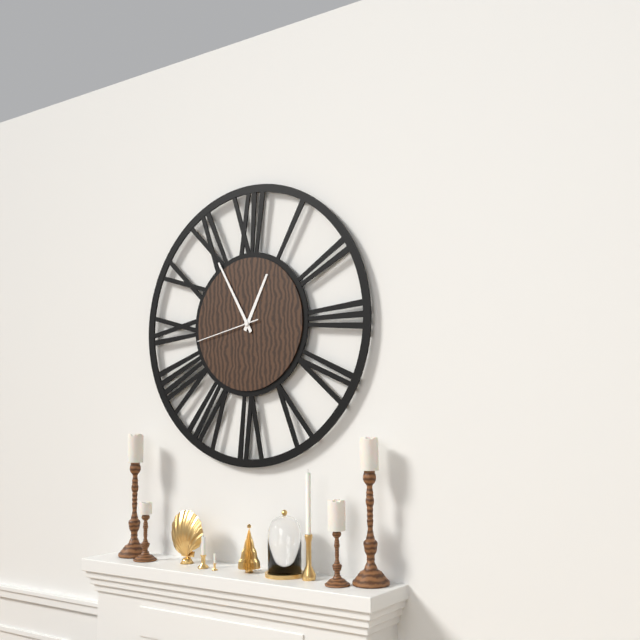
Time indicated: 12:55:43
